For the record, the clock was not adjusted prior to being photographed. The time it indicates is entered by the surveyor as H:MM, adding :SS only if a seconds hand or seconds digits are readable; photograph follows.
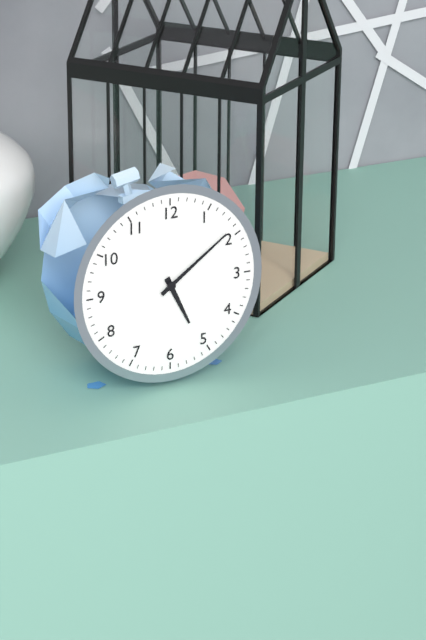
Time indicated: 5:09
